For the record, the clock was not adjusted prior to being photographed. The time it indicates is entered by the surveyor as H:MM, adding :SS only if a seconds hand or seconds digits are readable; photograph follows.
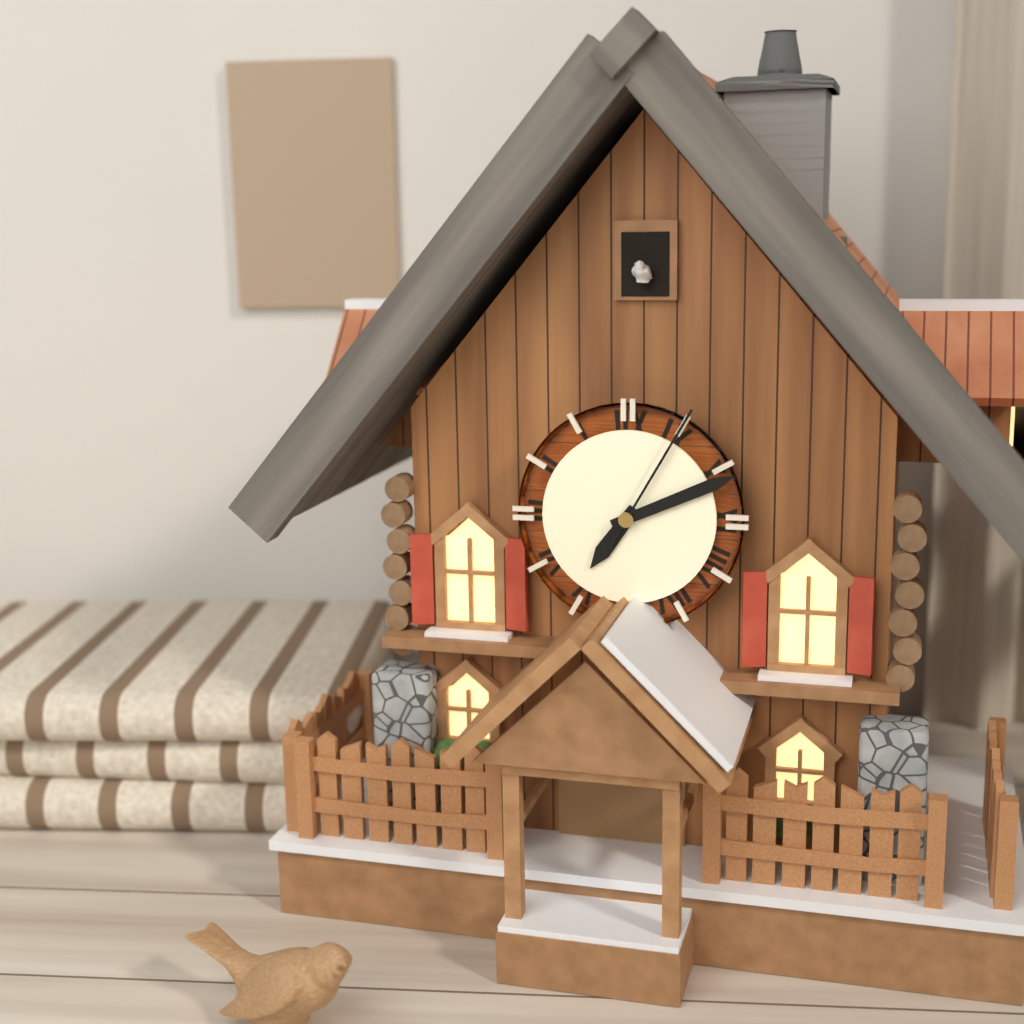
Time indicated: 7:11:05
